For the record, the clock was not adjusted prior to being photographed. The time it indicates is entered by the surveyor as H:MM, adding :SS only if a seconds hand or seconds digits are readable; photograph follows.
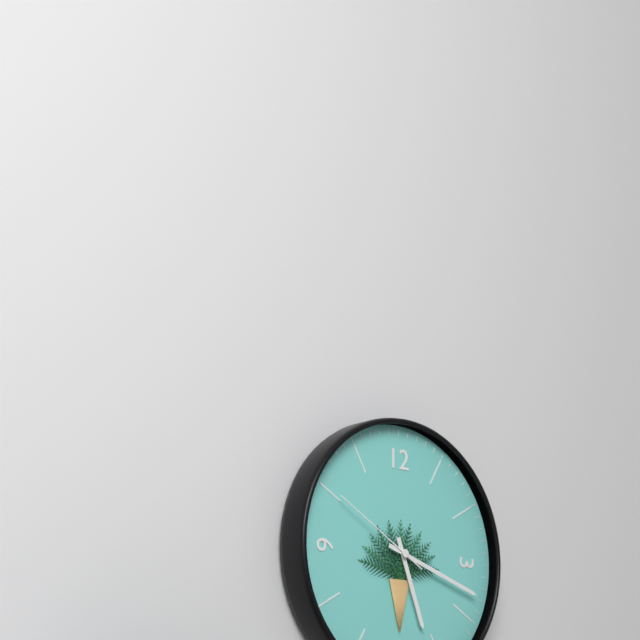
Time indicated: 5:18:50
